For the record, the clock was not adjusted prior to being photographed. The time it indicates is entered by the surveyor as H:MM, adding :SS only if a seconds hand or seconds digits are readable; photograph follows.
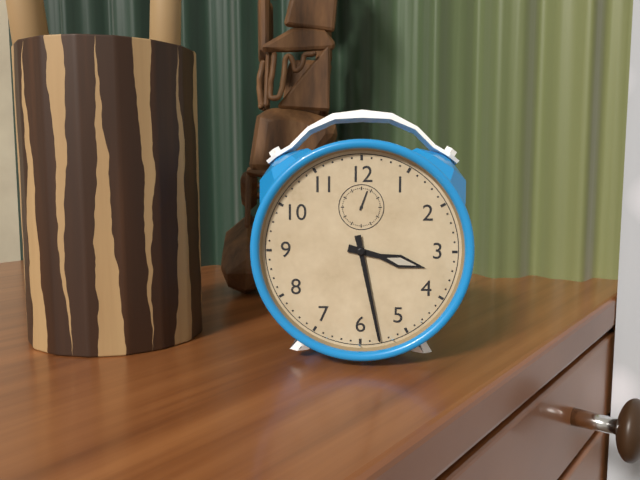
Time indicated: 3:28
